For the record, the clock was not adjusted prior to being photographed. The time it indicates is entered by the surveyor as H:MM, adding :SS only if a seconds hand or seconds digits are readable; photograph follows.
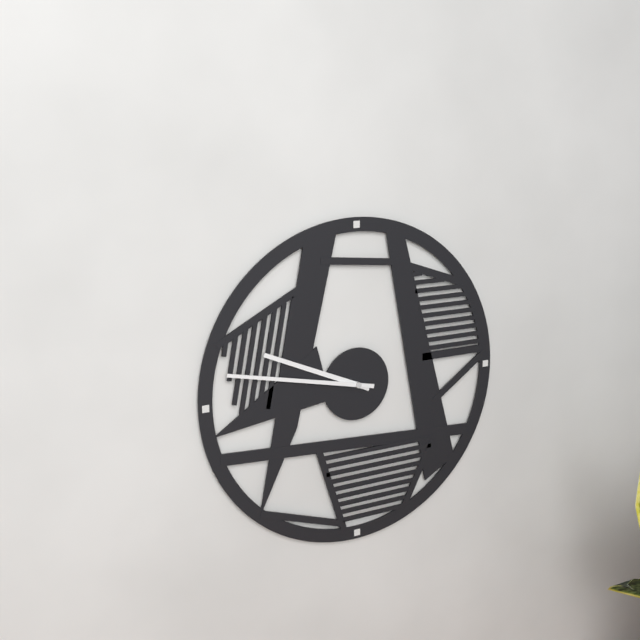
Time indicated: 9:47
